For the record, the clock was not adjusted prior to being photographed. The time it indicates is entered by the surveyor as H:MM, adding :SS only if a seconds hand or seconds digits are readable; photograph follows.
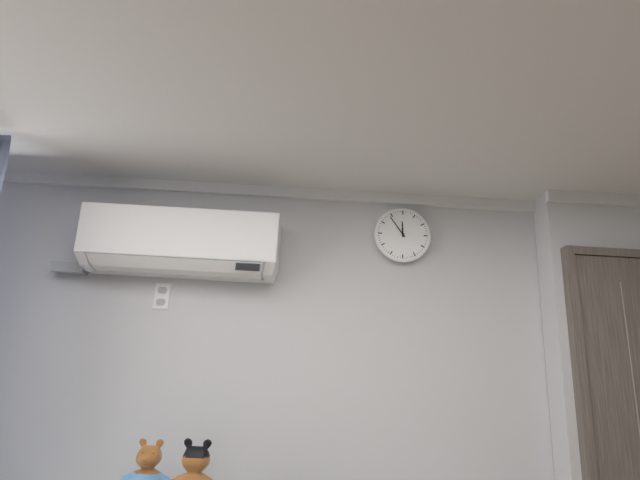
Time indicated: 11:54
